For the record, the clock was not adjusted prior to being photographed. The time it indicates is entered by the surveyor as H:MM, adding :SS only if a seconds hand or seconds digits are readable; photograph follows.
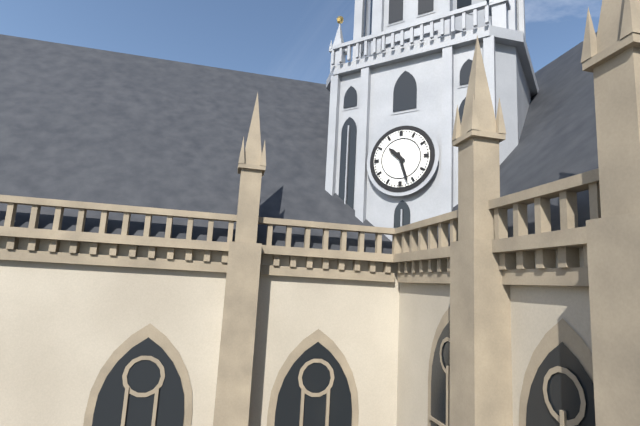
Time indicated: 10:27
